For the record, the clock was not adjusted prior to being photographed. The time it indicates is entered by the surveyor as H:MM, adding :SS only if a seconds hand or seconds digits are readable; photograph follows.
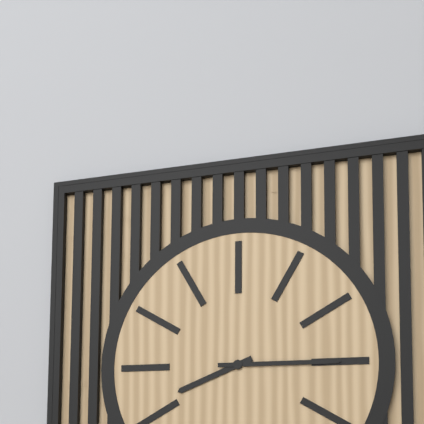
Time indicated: 8:15
